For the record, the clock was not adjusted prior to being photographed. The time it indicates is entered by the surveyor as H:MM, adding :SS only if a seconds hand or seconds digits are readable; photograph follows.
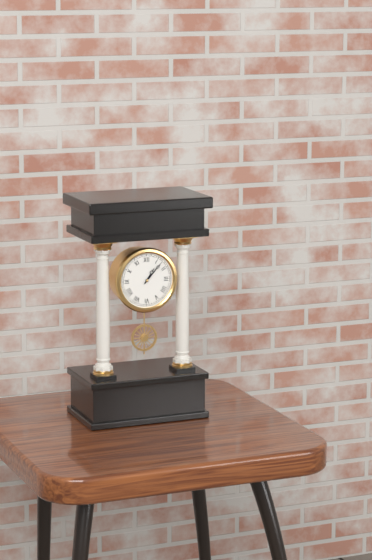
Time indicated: 1:07
